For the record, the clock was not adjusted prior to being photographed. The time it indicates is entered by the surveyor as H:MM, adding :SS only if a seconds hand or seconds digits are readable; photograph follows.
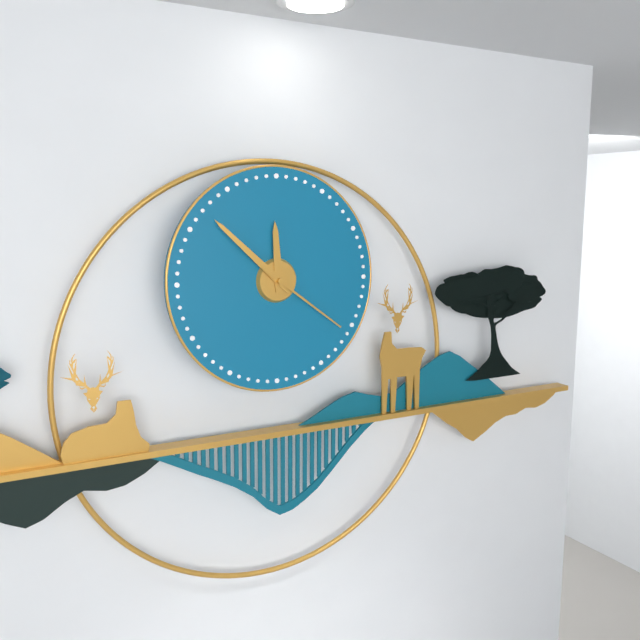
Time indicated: 11:52:21
